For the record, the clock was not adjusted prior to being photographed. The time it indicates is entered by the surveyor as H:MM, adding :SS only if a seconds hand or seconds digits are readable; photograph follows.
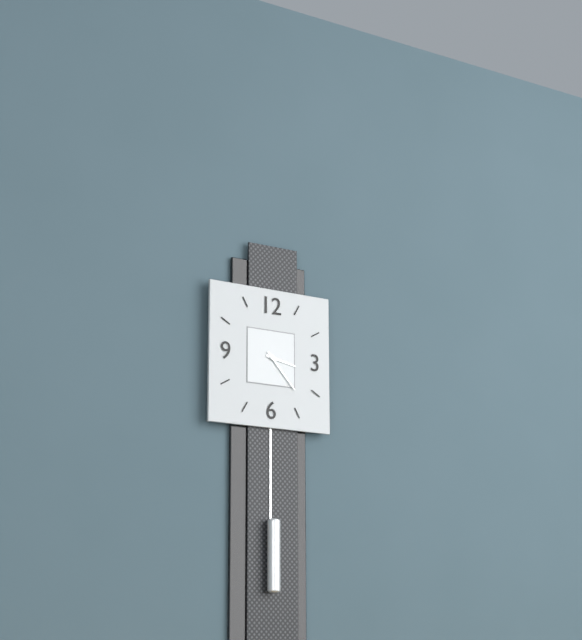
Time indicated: 3:23
